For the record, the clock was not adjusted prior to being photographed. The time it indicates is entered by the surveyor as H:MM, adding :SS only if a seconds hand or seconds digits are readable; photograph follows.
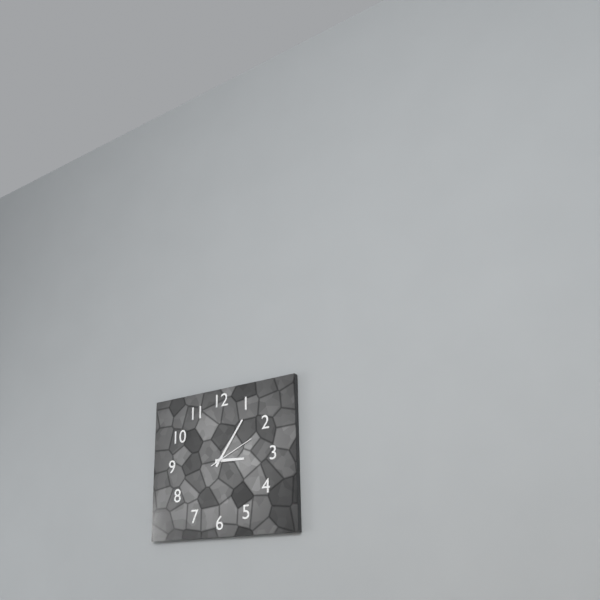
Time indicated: 3:06
